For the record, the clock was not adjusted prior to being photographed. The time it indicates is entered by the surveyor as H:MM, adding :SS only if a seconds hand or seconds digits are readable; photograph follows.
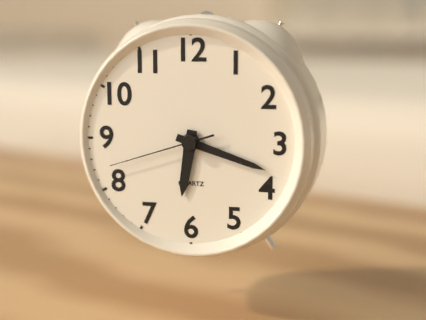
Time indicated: 6:18:42
